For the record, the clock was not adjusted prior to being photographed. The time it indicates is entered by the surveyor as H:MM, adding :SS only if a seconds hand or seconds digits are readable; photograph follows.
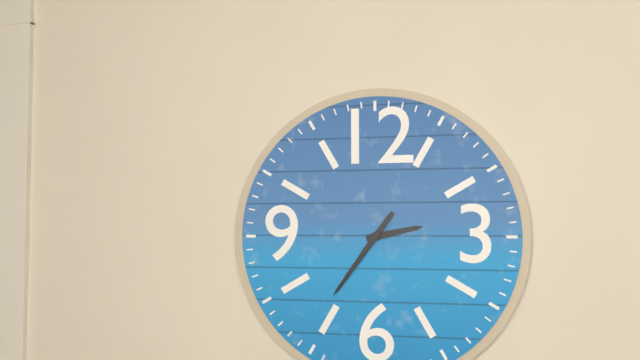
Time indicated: 2:36
